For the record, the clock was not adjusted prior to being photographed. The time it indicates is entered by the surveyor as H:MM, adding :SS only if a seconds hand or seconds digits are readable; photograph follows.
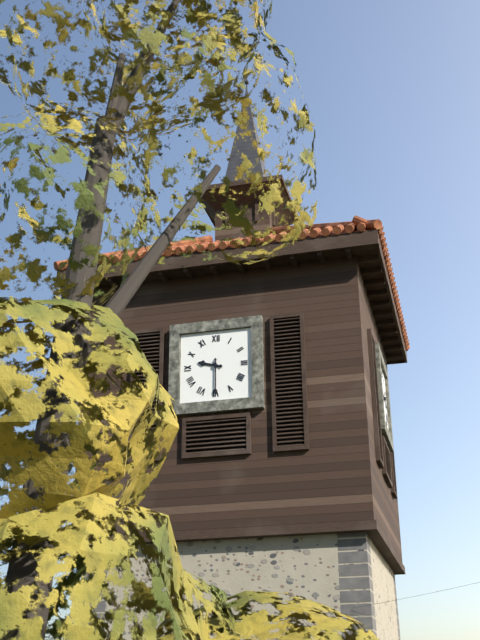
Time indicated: 9:30
